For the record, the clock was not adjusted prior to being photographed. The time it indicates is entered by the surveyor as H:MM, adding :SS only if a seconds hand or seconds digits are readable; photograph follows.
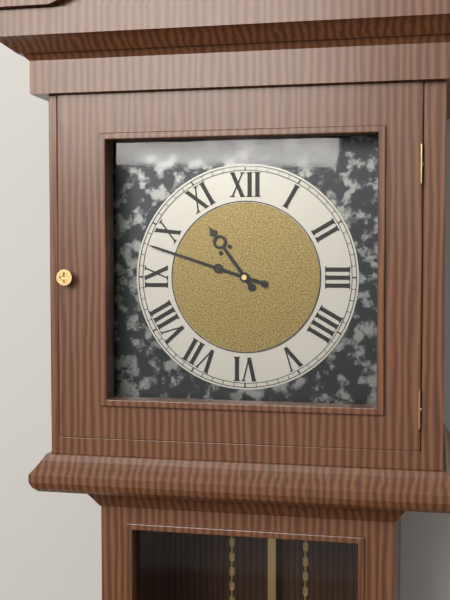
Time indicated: 10:48
